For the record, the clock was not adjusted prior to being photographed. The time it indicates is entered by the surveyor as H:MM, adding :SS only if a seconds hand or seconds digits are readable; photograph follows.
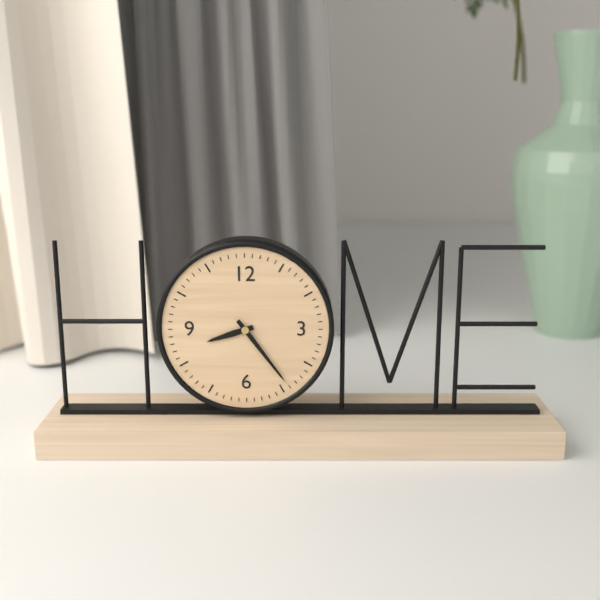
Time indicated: 8:24
